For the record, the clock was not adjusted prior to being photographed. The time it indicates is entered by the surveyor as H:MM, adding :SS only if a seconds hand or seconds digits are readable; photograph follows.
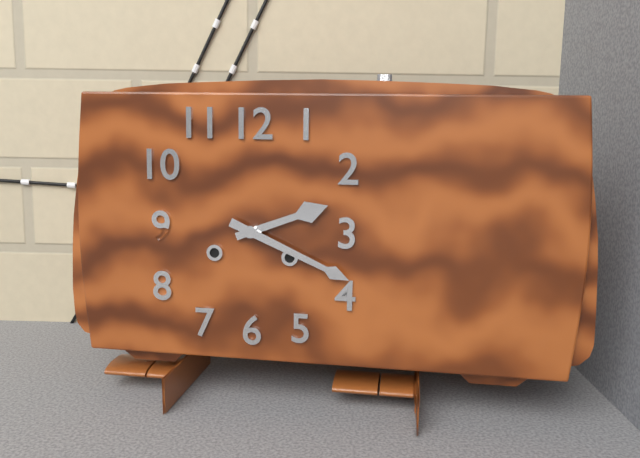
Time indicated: 2:19
